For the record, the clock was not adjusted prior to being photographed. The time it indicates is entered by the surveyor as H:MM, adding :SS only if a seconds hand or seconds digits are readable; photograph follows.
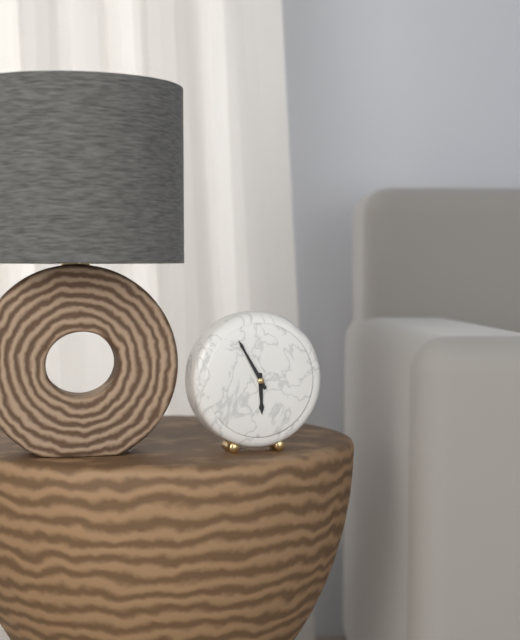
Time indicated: 5:55
